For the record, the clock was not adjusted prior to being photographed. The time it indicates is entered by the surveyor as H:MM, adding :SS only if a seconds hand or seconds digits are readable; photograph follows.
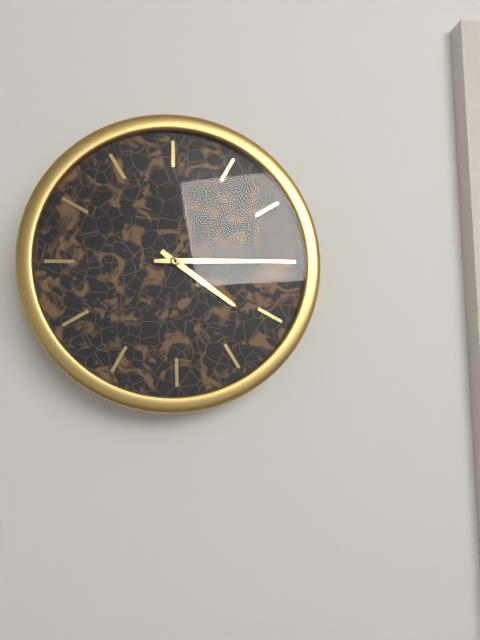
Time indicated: 4:15
